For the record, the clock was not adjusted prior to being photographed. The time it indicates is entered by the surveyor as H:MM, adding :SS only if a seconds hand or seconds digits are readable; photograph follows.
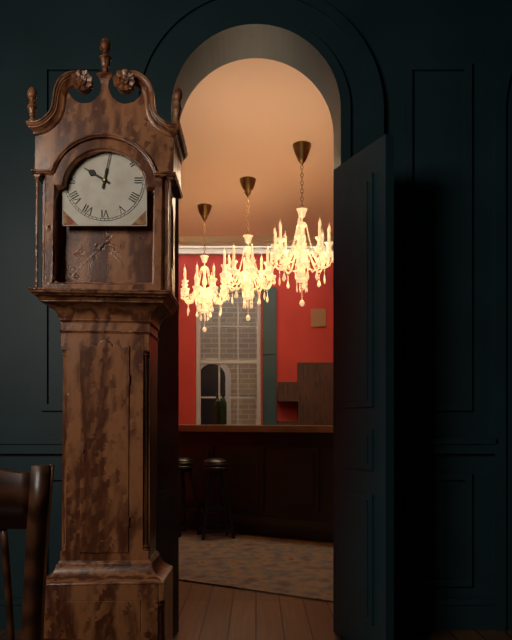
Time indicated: 10:02
